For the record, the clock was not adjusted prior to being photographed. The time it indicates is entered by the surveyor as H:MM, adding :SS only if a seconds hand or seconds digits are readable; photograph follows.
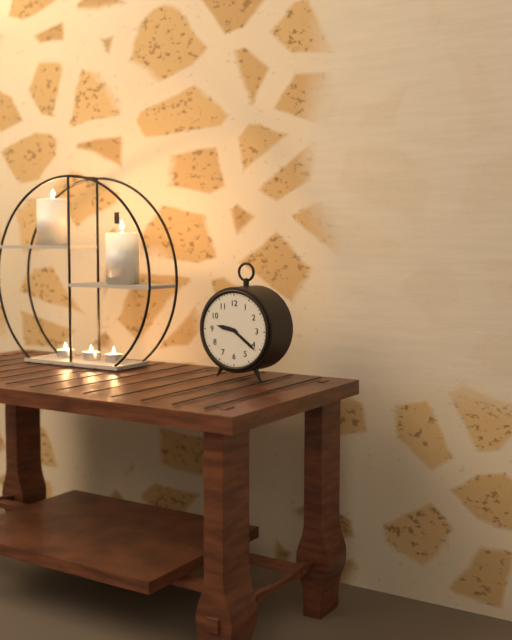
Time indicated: 9:21
